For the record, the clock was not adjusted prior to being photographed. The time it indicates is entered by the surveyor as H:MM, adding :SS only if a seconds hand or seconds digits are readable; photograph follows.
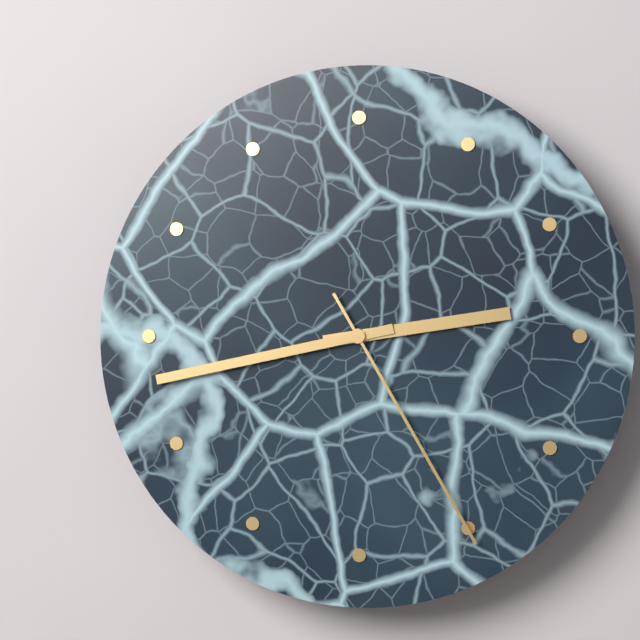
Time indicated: 2:43:25
